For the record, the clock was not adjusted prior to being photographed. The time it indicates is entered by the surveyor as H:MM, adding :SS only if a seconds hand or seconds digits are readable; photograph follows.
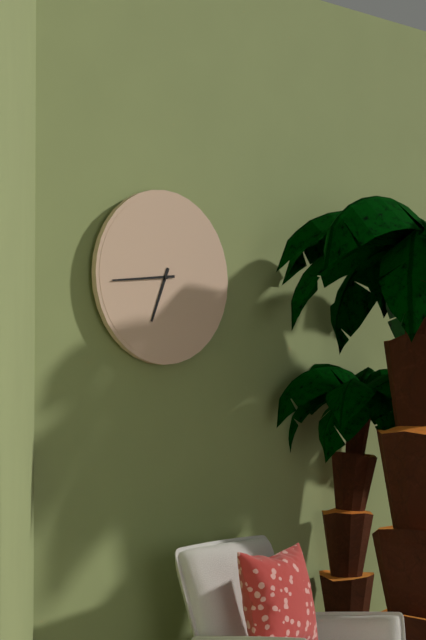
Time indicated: 6:44
